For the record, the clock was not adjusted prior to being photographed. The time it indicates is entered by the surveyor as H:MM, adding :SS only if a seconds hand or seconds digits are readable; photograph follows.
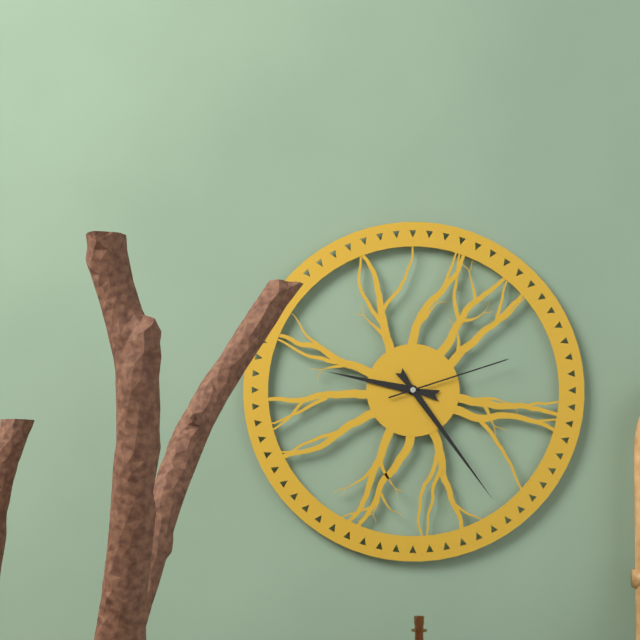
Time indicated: 9:24:12
